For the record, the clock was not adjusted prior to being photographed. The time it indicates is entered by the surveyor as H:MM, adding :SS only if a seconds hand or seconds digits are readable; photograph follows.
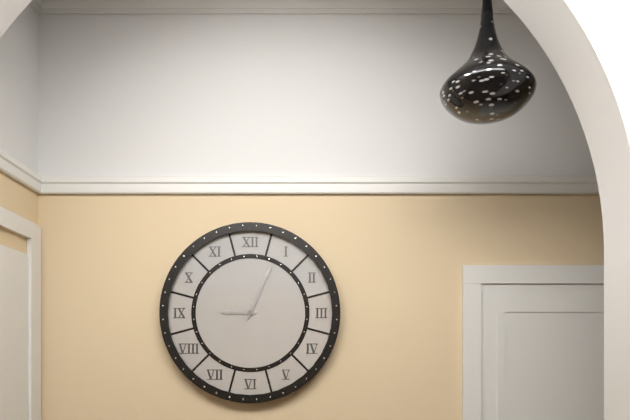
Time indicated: 9:04
